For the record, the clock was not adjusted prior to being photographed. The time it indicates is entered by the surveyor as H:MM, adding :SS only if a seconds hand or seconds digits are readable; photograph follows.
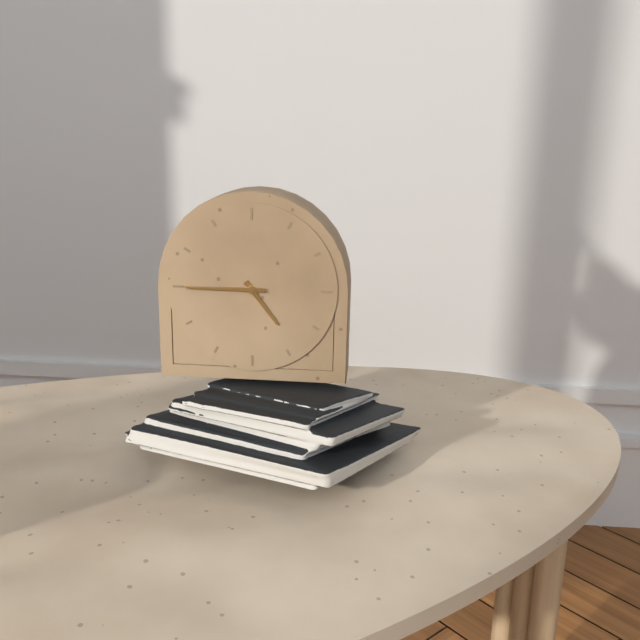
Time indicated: 4:45
